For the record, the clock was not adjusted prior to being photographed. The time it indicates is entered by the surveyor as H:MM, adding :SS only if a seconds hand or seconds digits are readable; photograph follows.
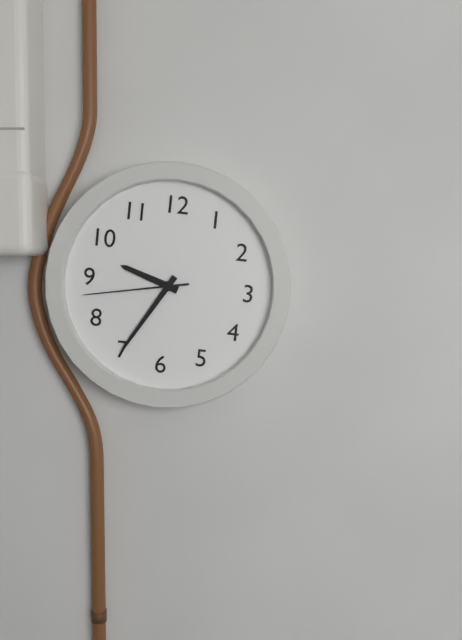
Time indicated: 9:35:43
